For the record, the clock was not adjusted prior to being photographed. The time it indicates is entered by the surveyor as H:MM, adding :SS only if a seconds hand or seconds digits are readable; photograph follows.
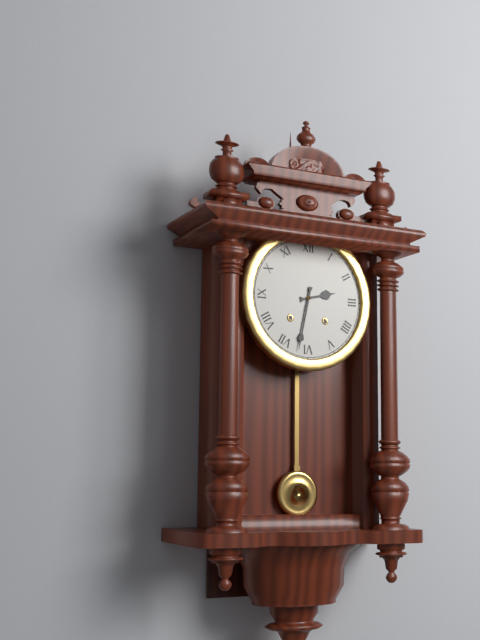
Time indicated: 2:32
